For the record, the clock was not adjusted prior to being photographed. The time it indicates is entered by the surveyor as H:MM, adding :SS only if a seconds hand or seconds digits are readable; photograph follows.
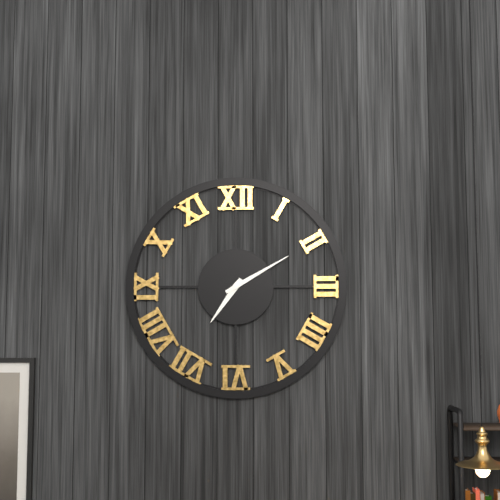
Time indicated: 7:10
